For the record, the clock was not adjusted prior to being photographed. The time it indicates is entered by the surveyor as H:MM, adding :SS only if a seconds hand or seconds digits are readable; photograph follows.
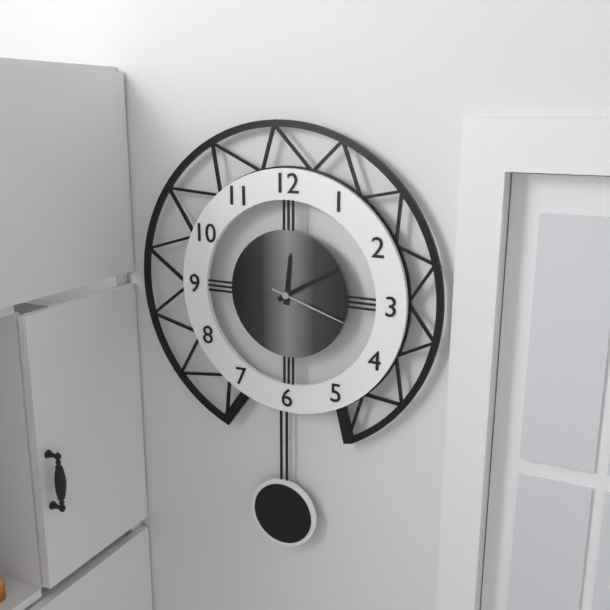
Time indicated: 12:10:18
